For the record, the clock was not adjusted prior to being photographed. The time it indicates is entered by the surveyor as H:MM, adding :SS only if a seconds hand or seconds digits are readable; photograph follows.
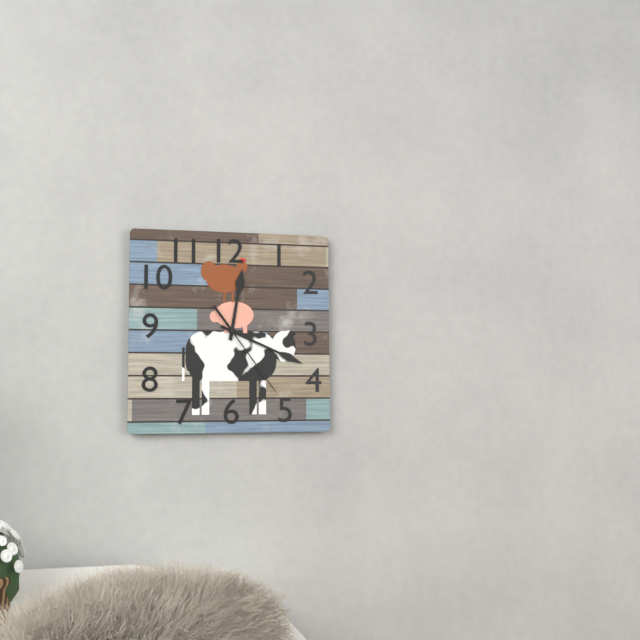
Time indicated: 12:19:24
